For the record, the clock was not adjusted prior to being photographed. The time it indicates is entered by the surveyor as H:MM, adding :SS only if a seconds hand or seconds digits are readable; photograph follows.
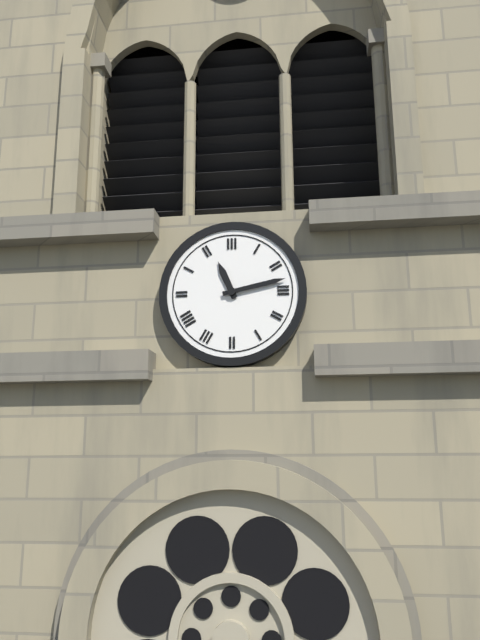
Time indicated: 11:13
